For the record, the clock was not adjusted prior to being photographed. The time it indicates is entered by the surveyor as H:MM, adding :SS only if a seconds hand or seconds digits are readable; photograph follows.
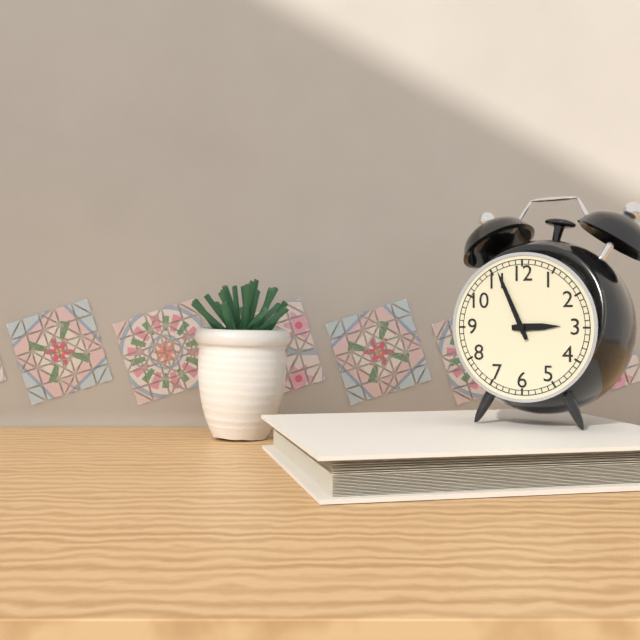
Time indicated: 2:56
